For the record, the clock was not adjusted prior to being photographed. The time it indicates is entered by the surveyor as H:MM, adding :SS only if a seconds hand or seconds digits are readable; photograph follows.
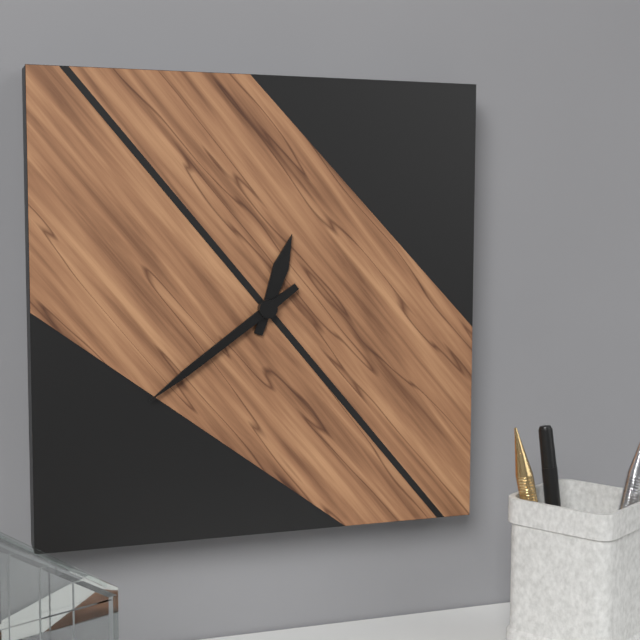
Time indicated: 12:39
